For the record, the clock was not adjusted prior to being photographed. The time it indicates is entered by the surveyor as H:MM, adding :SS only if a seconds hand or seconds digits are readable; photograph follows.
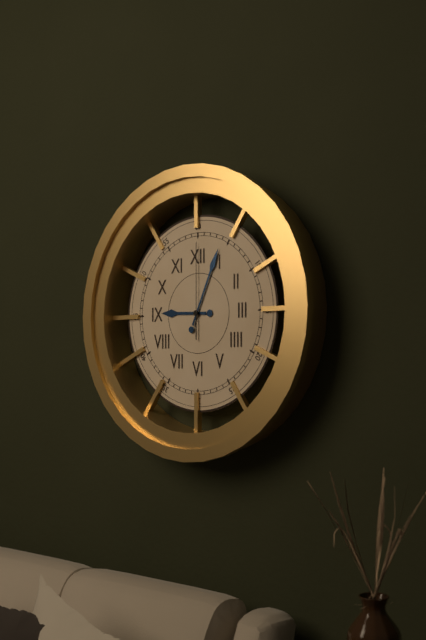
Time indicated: 9:04:00
